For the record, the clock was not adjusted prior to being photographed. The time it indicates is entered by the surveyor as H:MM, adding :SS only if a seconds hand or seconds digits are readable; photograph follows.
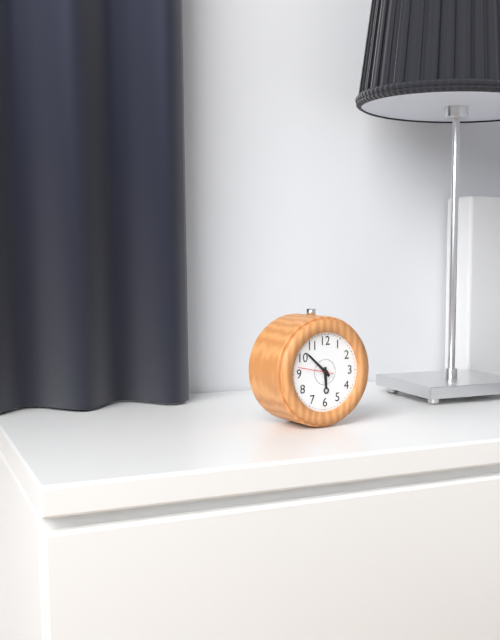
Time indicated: 5:52
